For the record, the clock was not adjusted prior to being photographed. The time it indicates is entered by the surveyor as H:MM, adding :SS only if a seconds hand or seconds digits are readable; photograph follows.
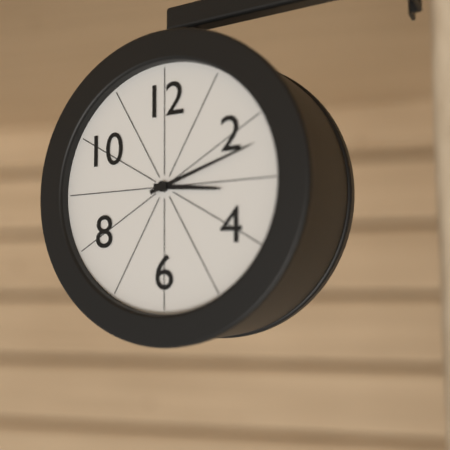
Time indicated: 3:12
